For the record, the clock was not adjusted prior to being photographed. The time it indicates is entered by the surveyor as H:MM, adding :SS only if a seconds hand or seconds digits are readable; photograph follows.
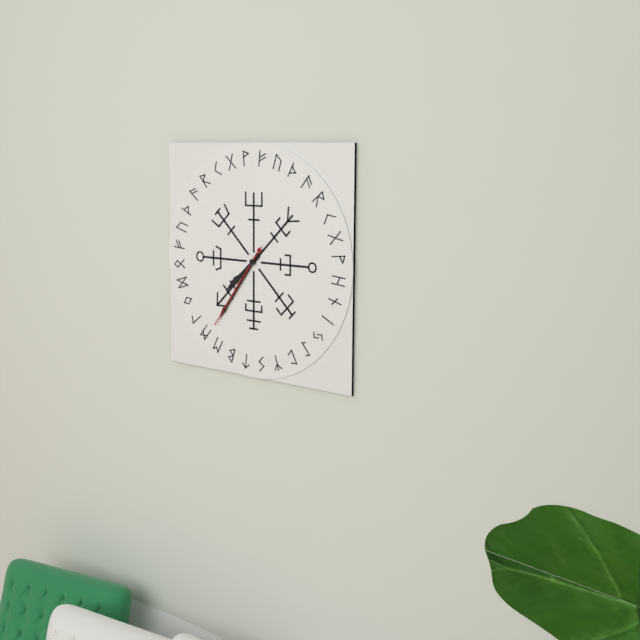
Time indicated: 7:36:36
